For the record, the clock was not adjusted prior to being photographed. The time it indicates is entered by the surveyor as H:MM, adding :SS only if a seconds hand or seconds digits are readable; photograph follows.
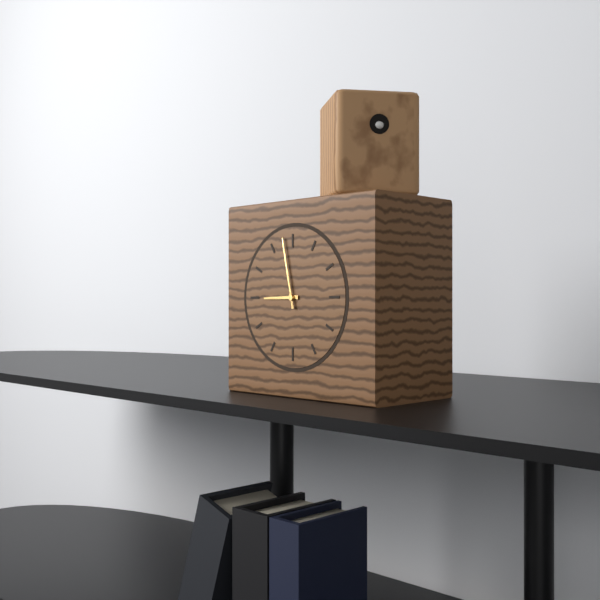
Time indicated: 8:58
